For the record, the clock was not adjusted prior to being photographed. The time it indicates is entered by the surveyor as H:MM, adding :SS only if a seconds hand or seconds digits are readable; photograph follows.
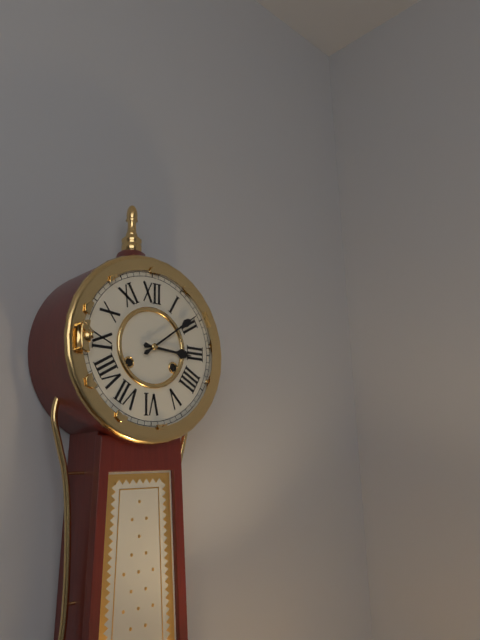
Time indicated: 3:09
